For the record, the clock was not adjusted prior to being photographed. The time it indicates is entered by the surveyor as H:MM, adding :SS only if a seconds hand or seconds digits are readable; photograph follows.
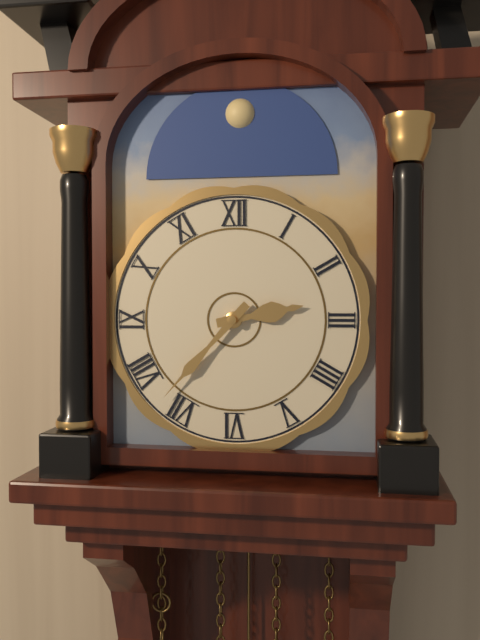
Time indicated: 2:37
